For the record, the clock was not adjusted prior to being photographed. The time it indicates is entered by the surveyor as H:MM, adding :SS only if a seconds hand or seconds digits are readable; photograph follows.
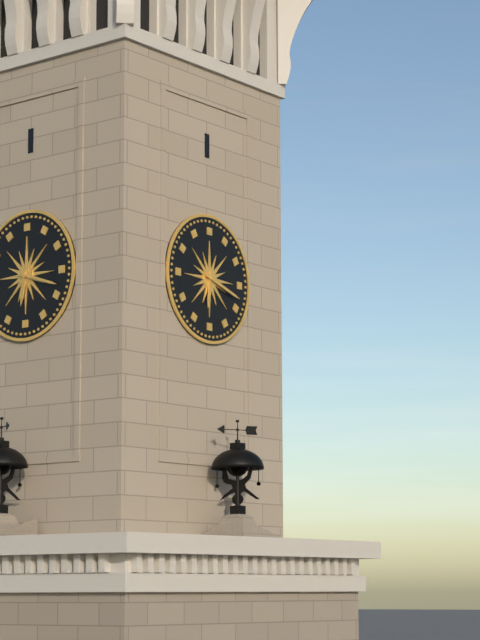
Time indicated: 6:18
